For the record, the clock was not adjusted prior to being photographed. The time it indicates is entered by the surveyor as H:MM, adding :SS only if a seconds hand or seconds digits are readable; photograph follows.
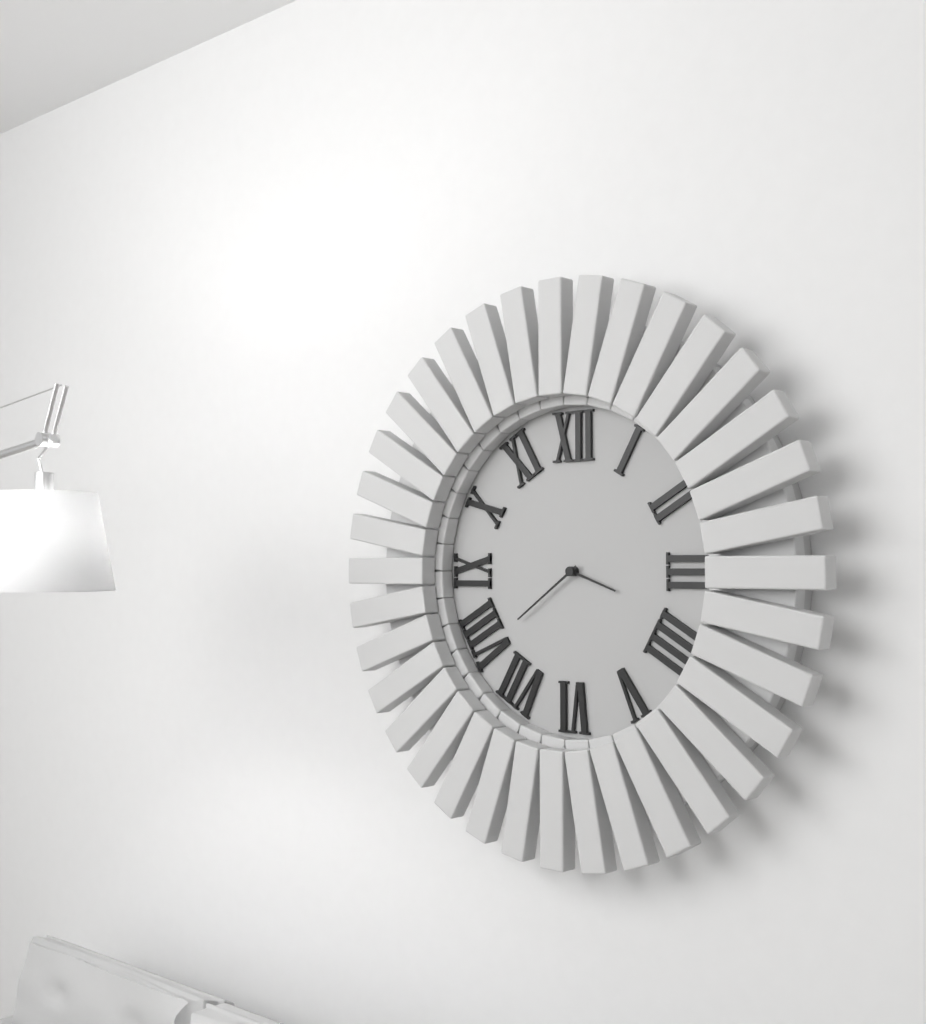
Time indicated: 3:39
